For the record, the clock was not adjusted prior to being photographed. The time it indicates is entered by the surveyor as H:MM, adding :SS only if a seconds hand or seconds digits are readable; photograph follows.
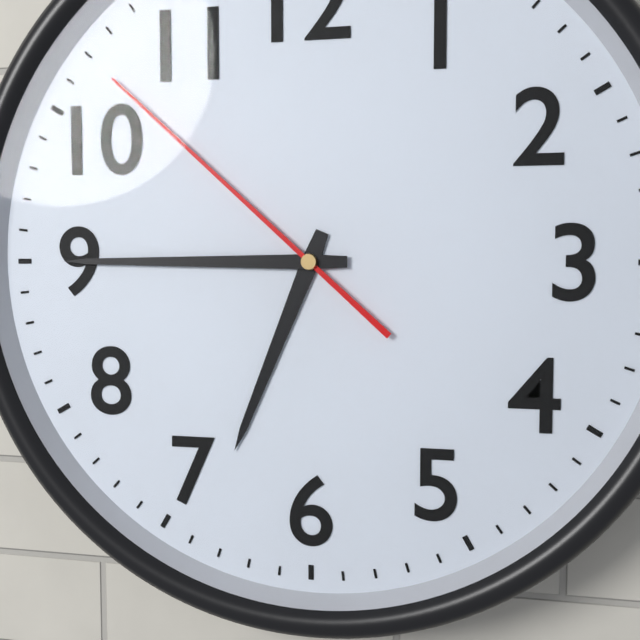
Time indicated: 6:45:52
